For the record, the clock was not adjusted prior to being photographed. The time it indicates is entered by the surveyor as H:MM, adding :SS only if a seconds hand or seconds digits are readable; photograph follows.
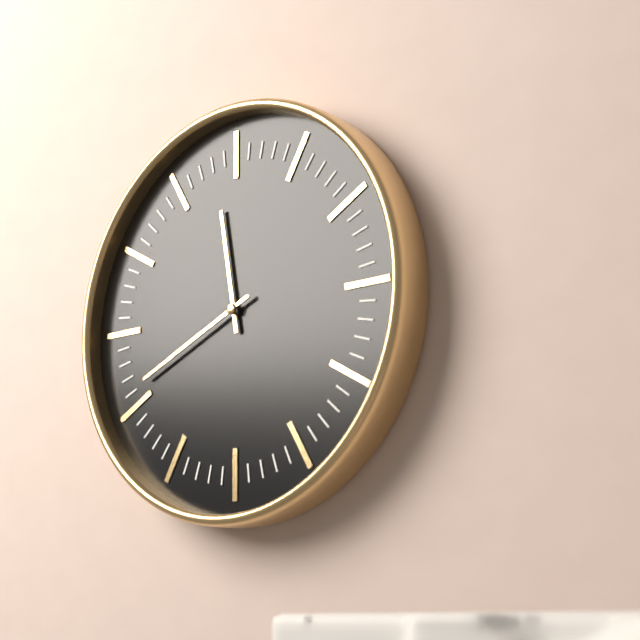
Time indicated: 11:41
